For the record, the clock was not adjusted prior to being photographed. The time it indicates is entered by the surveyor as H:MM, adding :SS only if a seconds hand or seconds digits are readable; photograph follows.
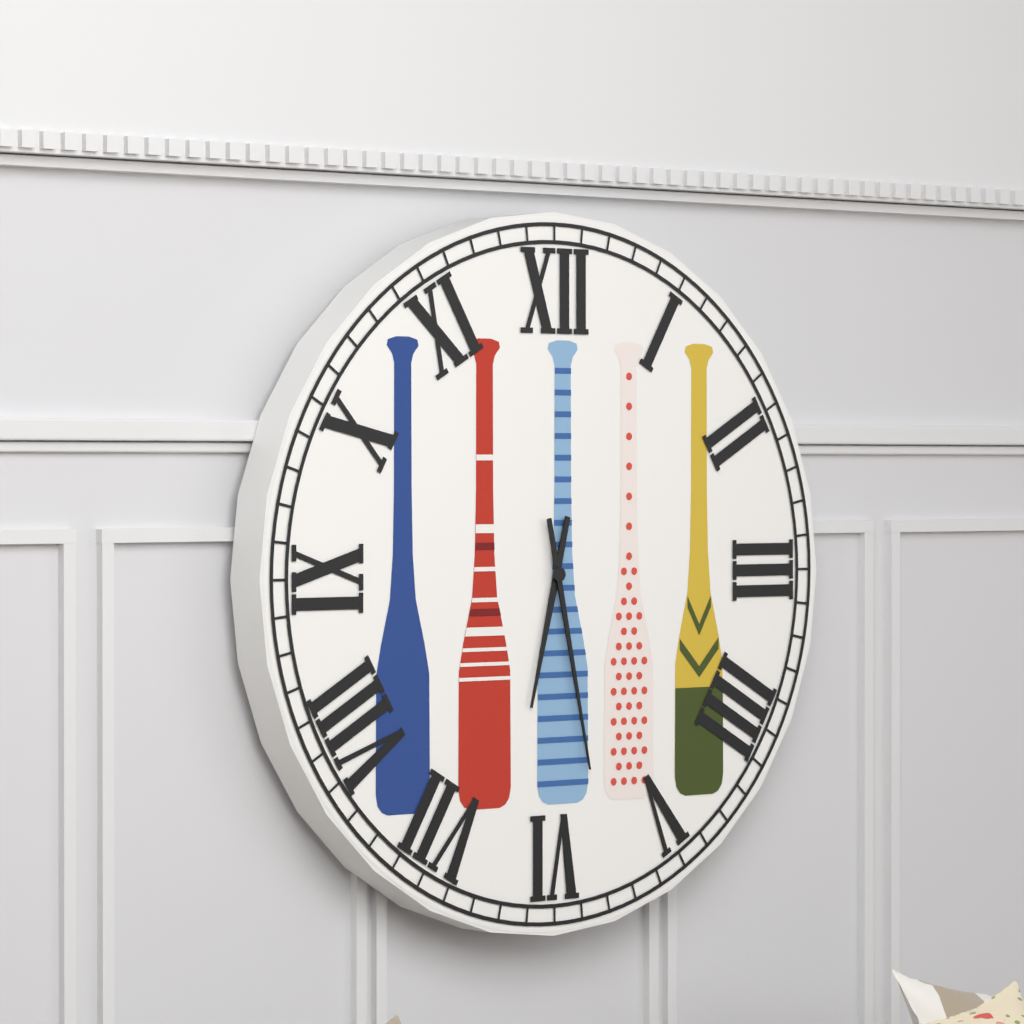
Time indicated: 6:28
